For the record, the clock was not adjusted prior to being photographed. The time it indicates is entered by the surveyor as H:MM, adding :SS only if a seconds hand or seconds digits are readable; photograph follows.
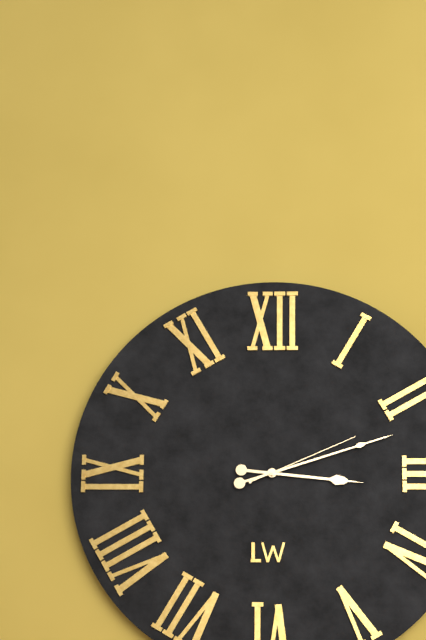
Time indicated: 3:12:11
